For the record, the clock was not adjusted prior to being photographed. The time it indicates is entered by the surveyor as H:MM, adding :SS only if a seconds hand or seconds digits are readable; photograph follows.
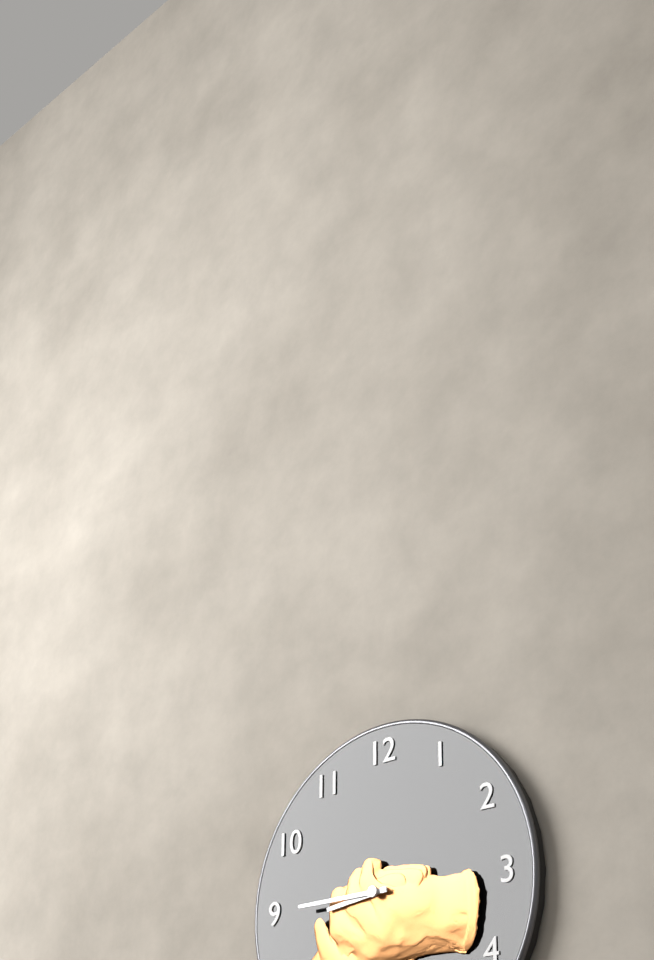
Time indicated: 8:45
